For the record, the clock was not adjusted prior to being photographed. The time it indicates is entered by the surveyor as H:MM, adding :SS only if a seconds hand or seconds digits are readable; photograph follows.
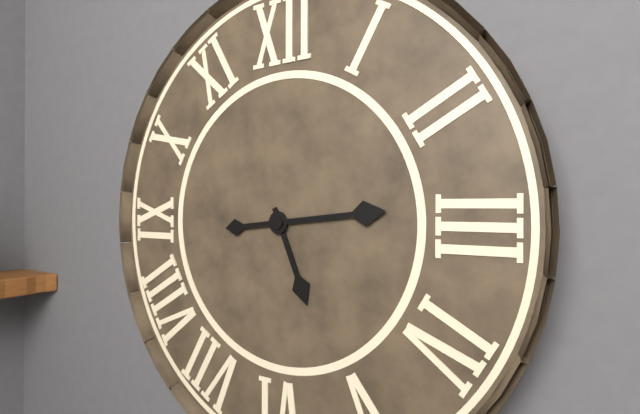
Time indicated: 5:14
